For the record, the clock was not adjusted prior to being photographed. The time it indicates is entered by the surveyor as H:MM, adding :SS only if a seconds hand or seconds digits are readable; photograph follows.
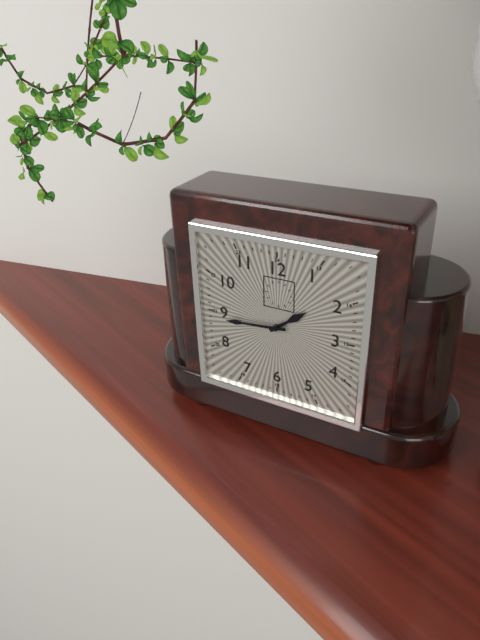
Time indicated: 1:44
